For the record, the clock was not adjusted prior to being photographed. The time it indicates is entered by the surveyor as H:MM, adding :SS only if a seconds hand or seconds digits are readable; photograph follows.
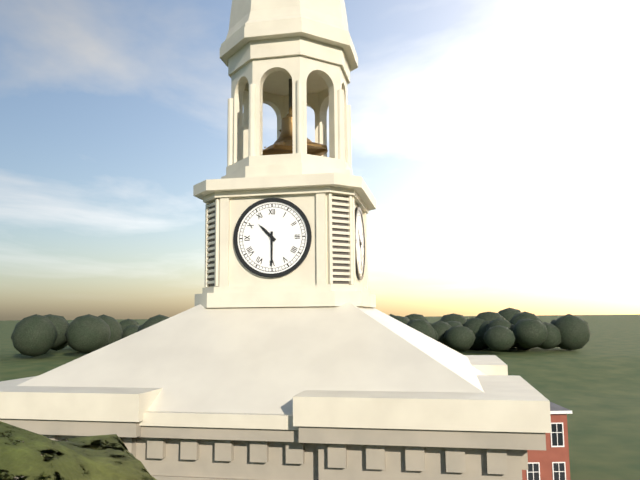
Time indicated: 10:30
